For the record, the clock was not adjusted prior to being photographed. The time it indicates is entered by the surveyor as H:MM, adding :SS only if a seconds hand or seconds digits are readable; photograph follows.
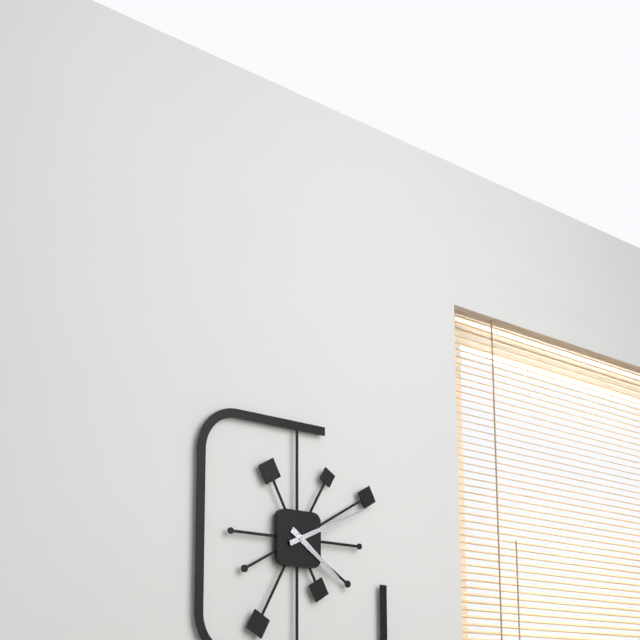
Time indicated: 4:11
